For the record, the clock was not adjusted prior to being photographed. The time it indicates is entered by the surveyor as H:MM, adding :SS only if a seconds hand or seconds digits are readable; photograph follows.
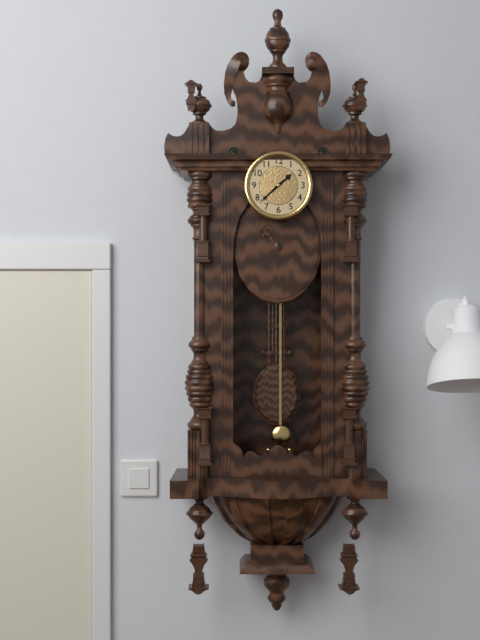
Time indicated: 1:38
